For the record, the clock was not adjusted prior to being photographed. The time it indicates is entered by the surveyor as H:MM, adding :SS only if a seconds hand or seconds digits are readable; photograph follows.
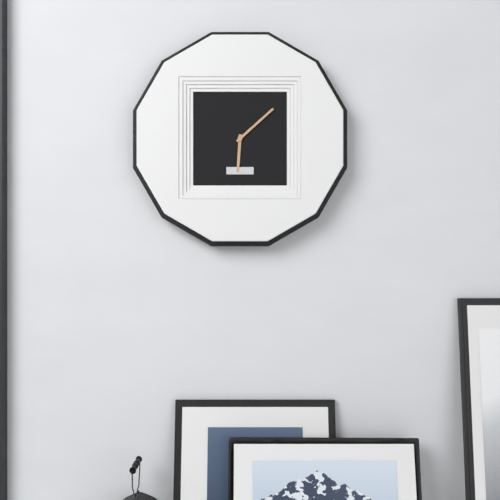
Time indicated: 6:08
